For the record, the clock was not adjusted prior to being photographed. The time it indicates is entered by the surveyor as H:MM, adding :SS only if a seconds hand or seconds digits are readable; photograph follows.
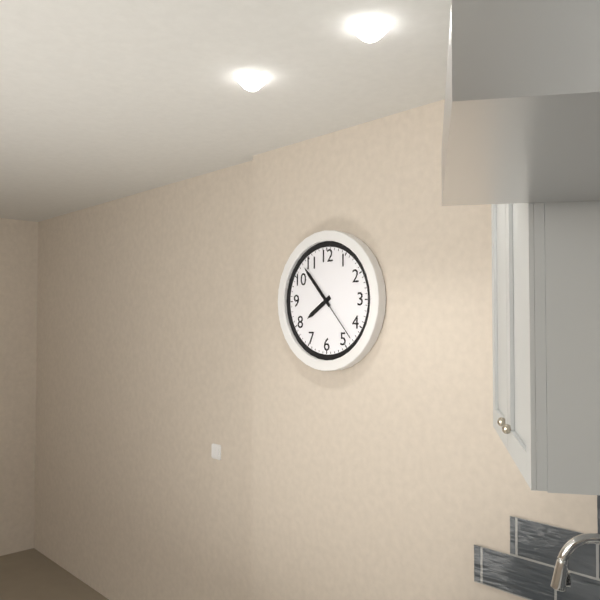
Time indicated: 7:53:23
